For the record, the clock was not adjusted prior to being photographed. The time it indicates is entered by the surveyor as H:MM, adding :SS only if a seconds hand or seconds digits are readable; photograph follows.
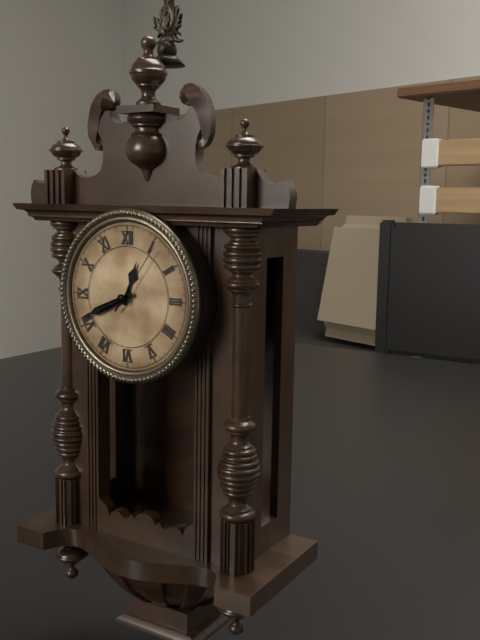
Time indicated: 12:41:06
